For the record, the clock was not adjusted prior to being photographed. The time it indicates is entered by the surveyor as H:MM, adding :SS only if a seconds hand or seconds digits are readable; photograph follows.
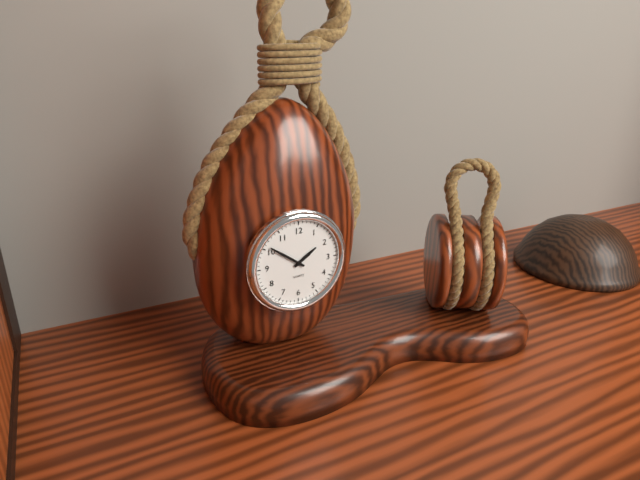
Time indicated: 1:51
